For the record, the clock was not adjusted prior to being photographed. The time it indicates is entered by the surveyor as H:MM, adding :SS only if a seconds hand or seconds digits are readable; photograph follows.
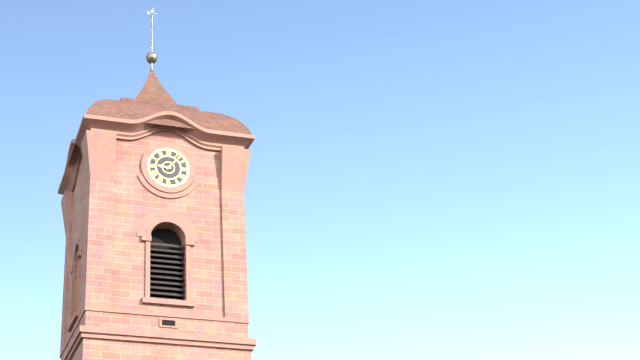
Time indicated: 9:07
